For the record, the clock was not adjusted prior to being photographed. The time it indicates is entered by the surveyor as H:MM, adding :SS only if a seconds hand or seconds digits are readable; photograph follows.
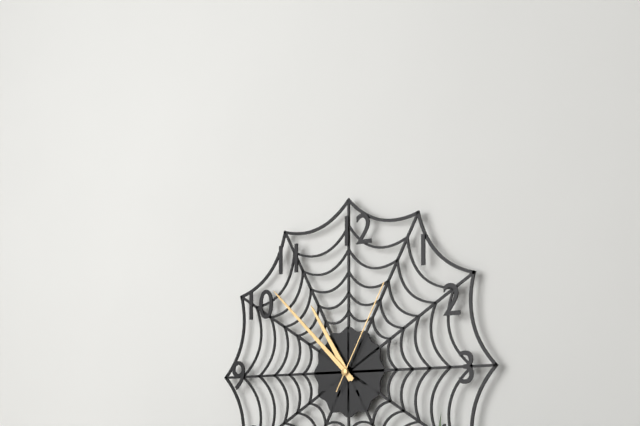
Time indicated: 10:52:05
